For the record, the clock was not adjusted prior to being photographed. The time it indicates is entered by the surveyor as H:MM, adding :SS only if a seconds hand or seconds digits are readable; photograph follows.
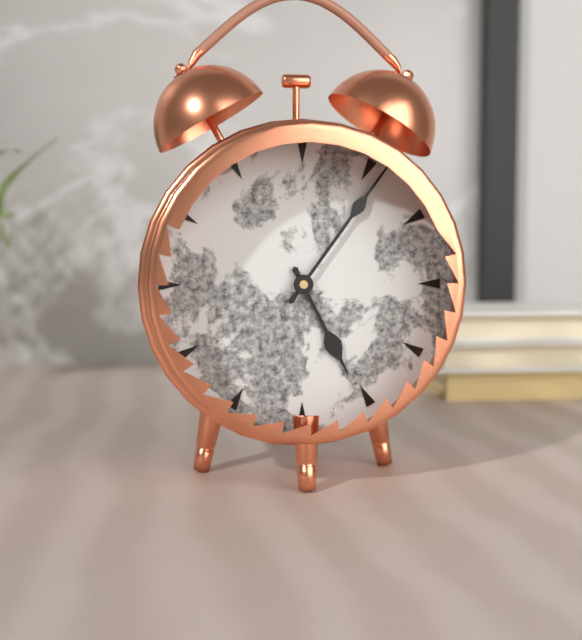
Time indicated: 5:06
